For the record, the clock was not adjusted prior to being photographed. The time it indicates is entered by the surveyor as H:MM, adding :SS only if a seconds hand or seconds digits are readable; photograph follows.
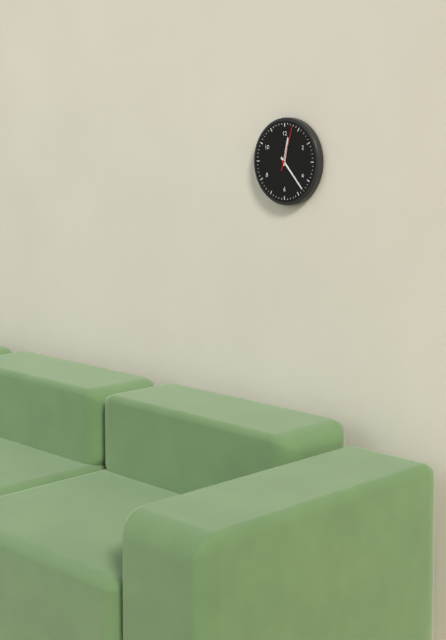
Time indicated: 12:23
